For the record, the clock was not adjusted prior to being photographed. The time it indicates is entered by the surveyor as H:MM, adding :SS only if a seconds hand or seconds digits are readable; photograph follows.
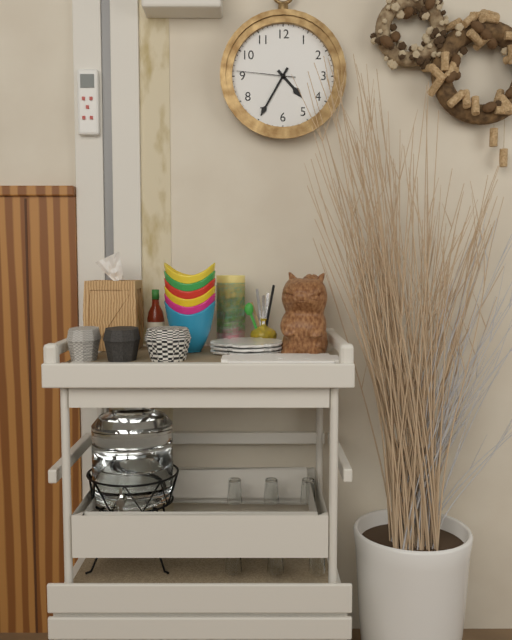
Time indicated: 4:35:46
